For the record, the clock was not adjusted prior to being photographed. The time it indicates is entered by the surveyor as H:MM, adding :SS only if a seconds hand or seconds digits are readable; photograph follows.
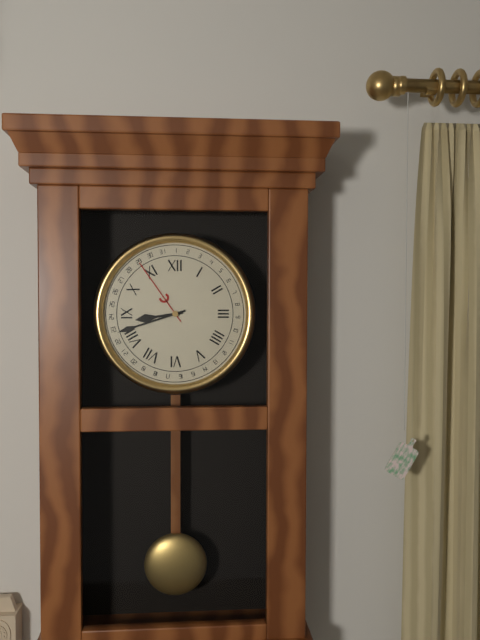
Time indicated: 8:42
